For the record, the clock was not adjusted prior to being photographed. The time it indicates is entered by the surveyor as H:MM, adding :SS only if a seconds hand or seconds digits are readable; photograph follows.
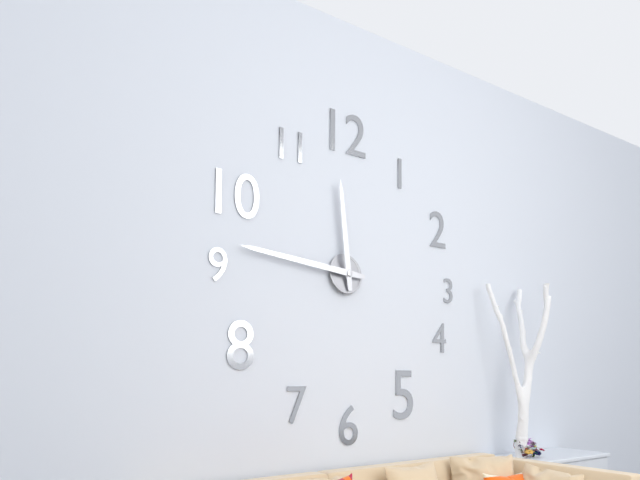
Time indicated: 11:46
